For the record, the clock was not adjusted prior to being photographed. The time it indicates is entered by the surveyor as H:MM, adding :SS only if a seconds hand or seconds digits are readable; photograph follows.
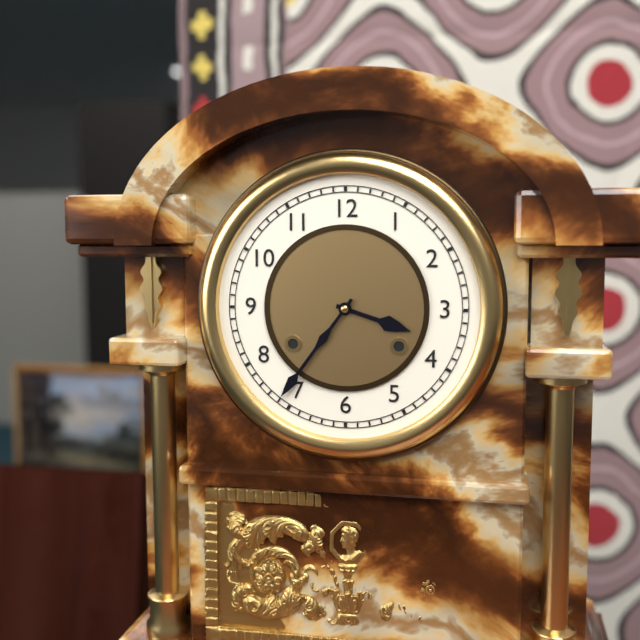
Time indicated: 3:36
